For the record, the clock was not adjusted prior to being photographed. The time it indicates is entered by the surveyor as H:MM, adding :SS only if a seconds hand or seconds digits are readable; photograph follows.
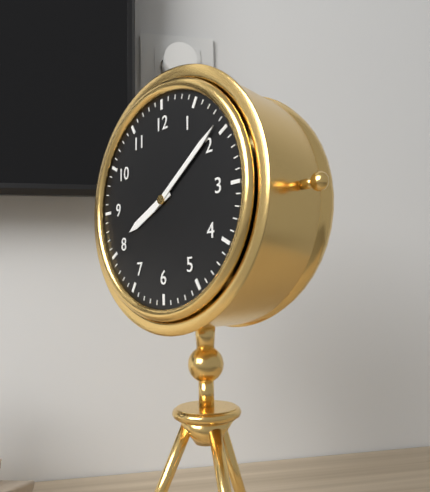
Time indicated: 8:09
